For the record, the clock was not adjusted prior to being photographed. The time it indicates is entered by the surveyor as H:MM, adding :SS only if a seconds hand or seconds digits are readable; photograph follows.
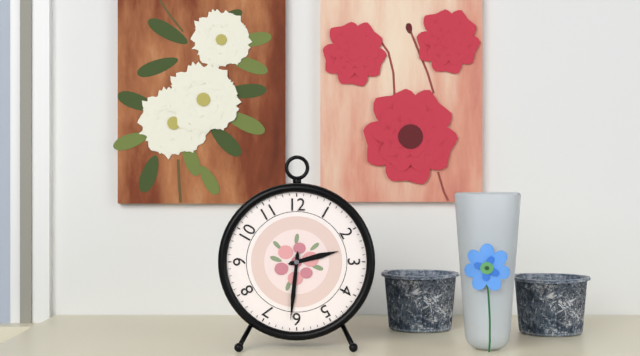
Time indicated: 2:31
